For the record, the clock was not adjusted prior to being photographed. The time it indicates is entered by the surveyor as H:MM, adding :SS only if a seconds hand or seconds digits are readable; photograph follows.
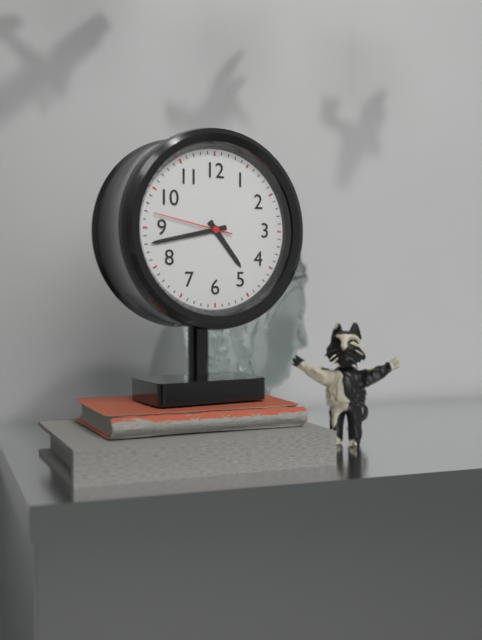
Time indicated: 4:43:47
